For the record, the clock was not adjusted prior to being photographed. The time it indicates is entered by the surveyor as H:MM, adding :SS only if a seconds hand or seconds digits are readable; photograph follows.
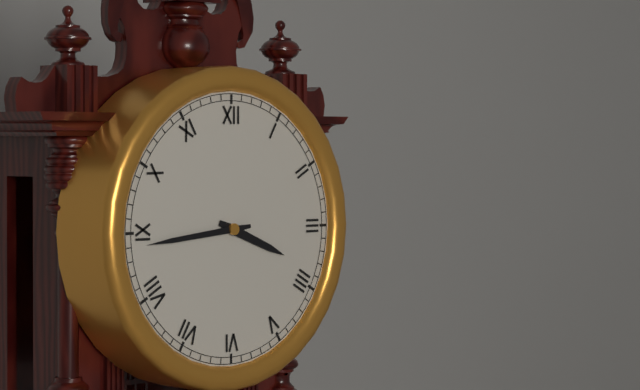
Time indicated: 3:44
